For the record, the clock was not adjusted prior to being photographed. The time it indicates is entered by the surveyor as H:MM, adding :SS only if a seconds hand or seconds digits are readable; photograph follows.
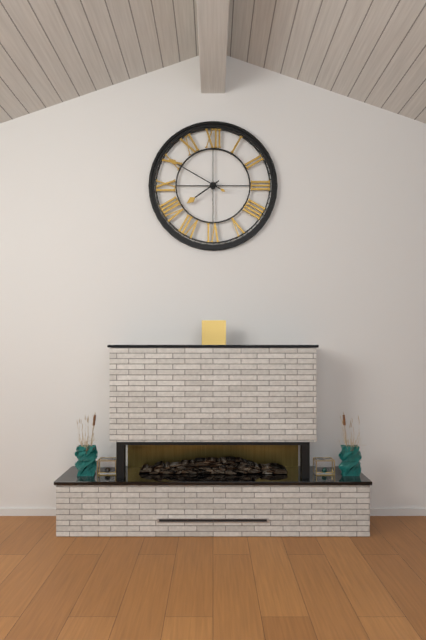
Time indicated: 7:50
